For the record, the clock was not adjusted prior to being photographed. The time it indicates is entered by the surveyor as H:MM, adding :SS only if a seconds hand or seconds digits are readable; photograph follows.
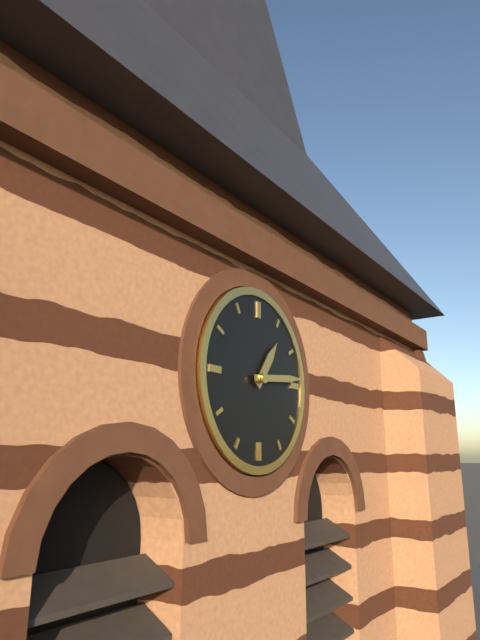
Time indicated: 1:14
